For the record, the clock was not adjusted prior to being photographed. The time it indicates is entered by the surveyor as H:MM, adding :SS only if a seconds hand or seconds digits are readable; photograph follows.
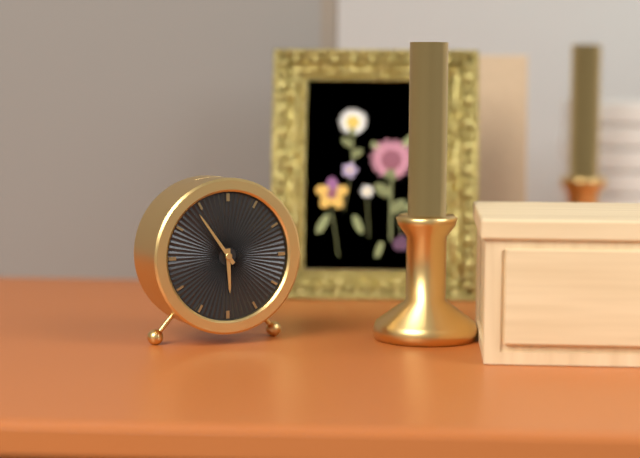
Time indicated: 5:54
